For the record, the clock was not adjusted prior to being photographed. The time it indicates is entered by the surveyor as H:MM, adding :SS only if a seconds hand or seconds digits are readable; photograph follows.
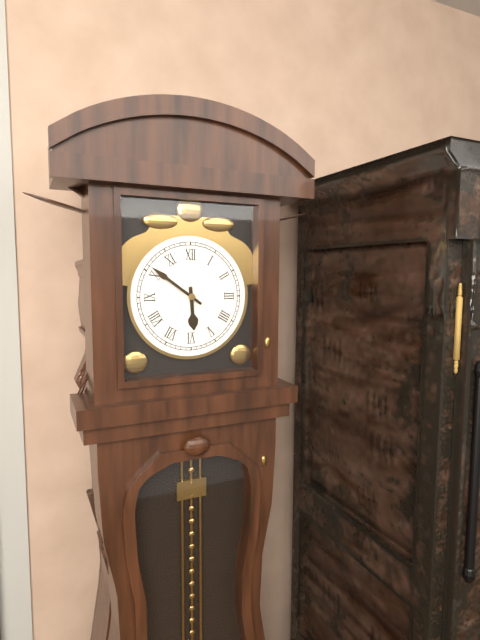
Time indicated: 5:51
